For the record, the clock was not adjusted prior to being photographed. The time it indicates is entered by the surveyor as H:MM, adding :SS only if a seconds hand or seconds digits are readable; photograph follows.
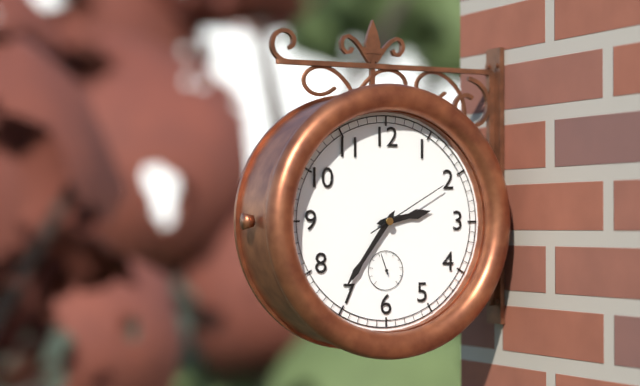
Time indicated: 2:36:10
